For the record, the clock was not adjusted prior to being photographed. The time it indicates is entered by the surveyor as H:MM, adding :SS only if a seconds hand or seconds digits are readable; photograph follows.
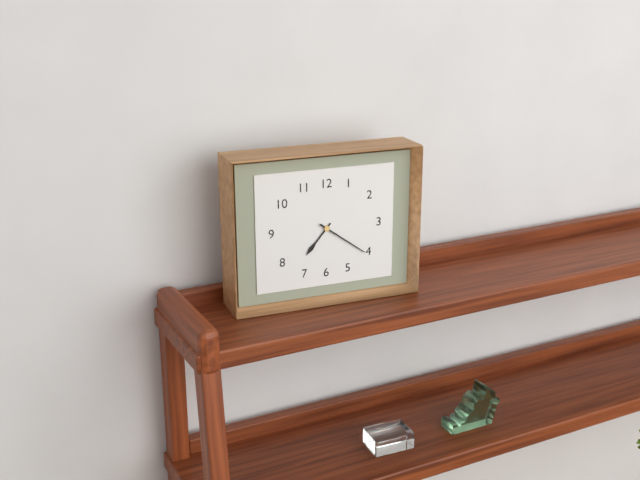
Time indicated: 7:21
